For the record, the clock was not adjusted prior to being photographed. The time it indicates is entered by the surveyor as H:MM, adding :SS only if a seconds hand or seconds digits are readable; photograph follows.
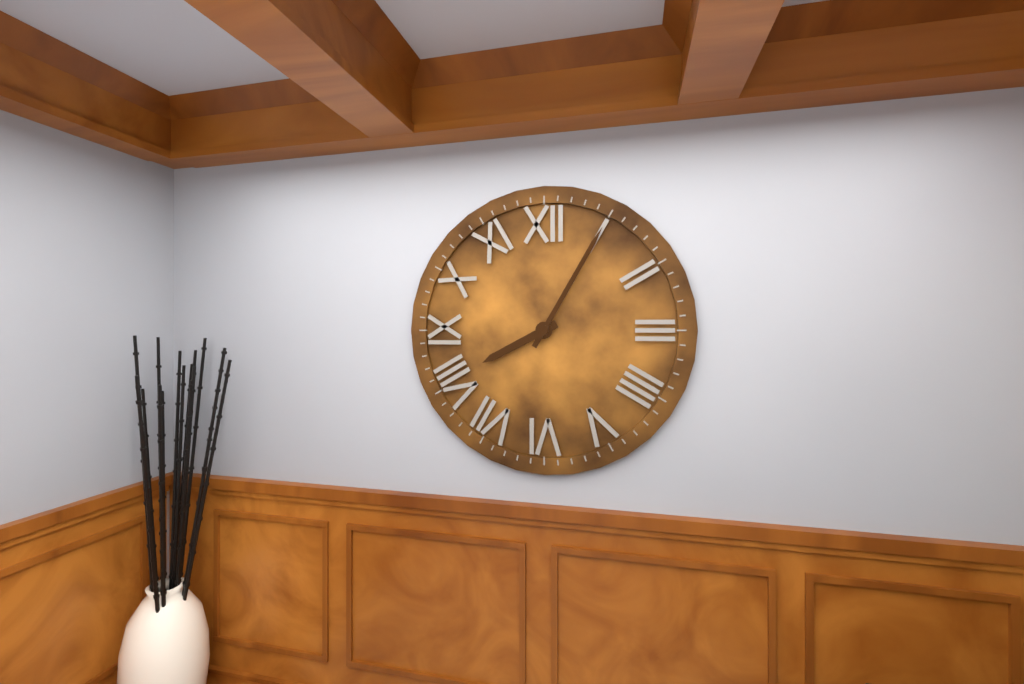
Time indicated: 8:05
